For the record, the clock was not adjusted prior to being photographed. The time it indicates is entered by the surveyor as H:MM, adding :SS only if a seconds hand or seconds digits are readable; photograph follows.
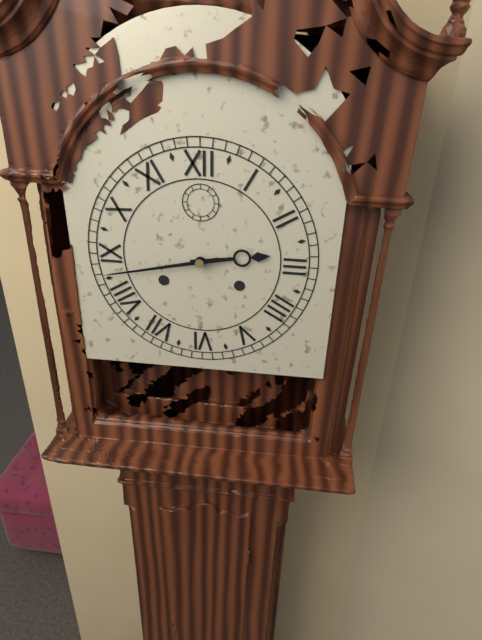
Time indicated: 2:43
